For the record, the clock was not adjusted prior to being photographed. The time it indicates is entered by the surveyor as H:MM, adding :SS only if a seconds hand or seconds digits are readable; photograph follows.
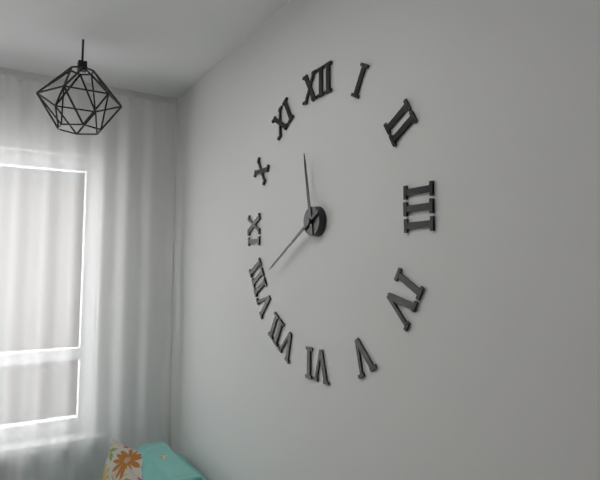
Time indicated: 11:40
